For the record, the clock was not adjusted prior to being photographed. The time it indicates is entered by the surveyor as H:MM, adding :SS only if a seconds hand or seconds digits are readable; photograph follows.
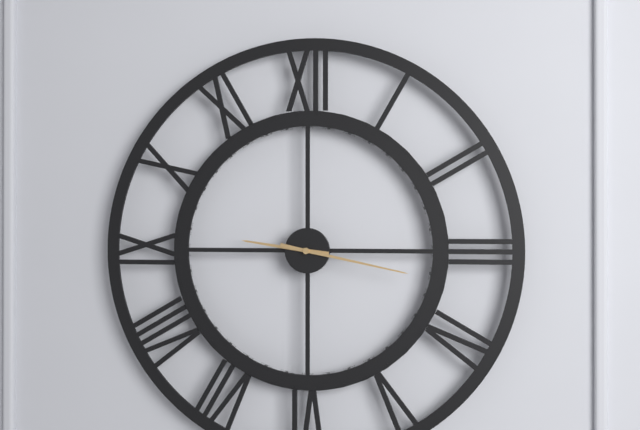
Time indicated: 9:17
